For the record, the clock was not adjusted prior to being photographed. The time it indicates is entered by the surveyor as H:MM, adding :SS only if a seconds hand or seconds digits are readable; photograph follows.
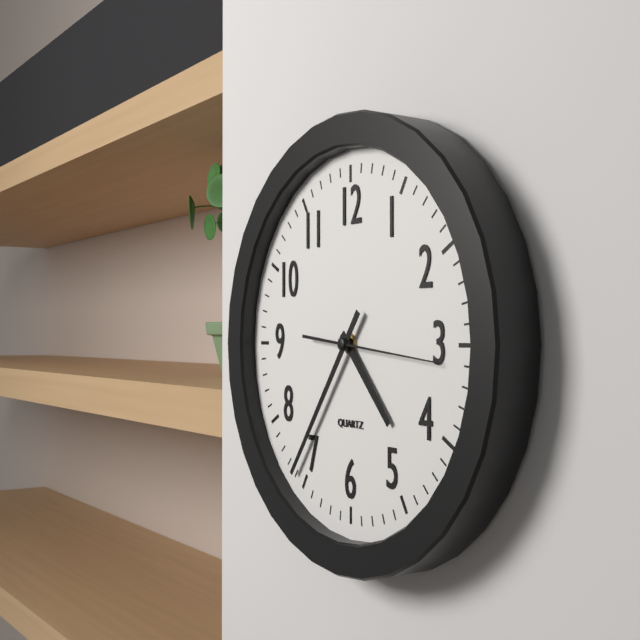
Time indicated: 4:36:16
